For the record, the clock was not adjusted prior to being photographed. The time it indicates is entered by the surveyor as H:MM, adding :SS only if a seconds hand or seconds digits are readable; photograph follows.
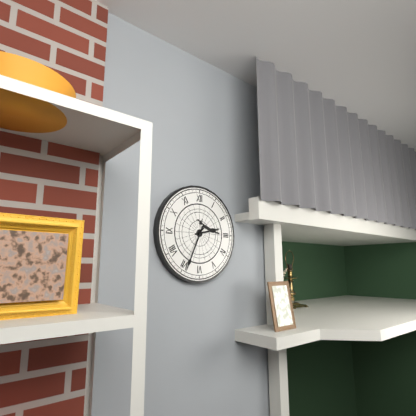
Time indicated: 2:34
